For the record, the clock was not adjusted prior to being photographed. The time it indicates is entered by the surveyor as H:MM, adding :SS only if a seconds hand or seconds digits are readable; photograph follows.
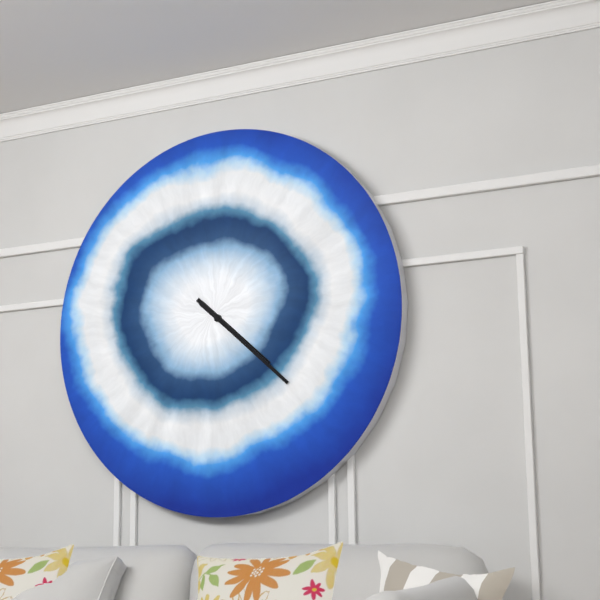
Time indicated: 4:22
